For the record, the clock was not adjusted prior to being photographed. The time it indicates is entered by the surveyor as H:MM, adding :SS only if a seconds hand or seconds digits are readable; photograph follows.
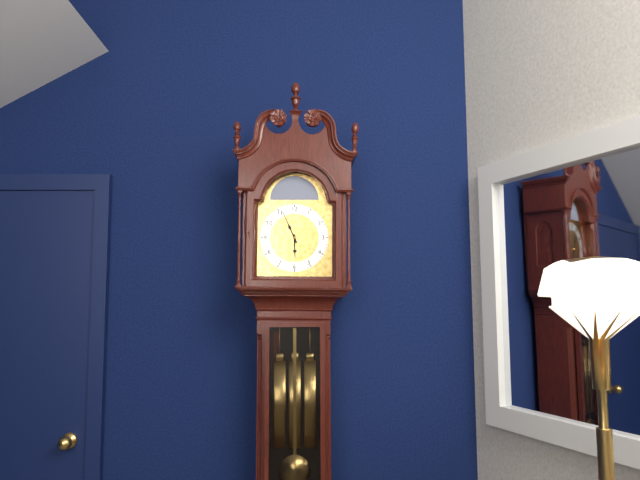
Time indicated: 5:56
